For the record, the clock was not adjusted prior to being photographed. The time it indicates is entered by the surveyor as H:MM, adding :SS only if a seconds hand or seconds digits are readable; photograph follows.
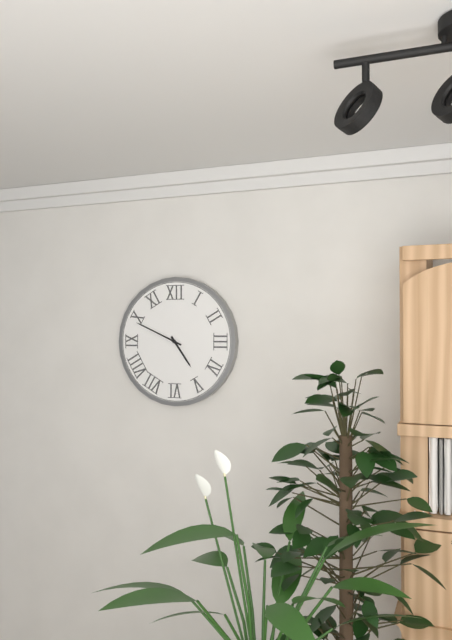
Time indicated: 4:49
